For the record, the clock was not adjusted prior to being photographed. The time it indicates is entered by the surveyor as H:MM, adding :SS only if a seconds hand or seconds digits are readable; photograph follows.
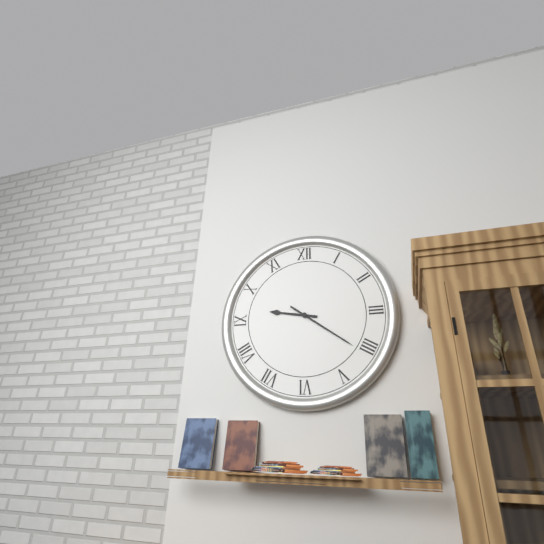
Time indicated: 9:21
